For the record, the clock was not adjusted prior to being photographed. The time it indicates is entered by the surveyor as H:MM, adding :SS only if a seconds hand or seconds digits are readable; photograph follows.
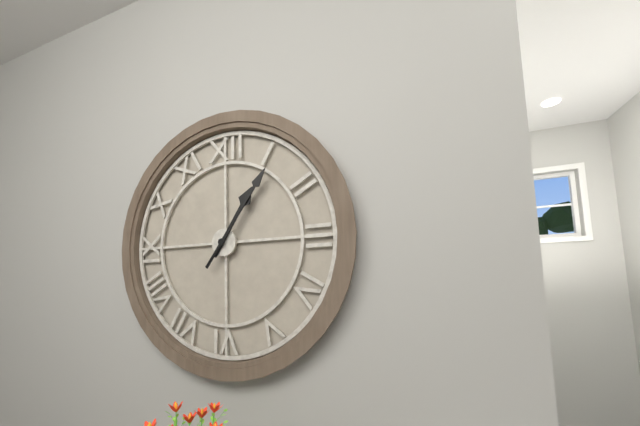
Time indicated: 1:06
